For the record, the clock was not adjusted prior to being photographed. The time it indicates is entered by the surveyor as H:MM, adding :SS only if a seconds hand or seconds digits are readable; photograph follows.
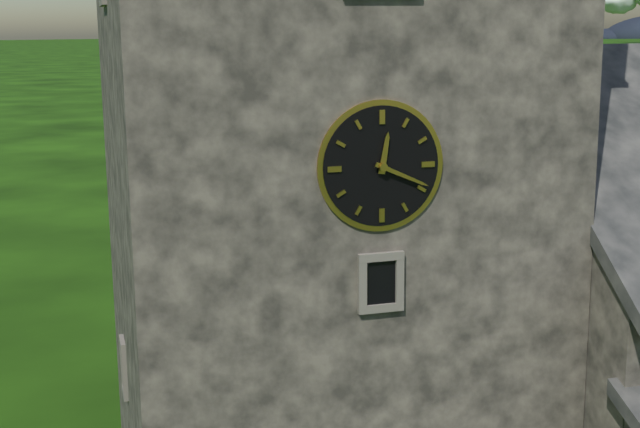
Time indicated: 12:19
